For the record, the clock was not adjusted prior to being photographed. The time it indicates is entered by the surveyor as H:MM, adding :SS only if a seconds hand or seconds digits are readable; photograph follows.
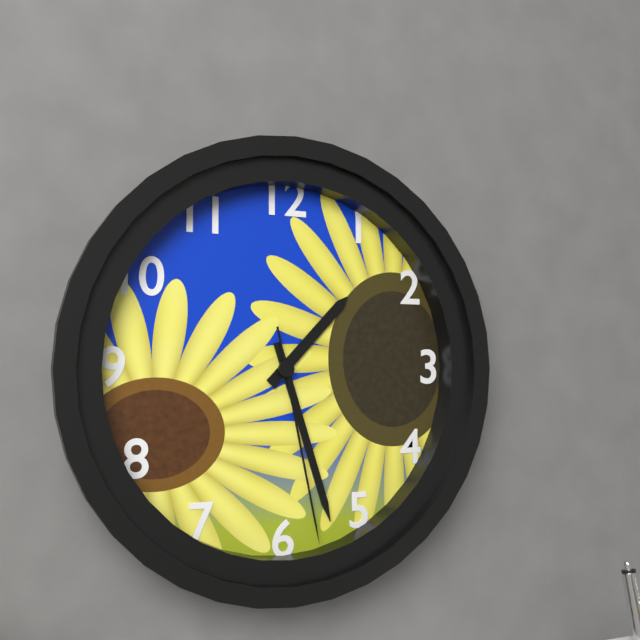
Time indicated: 1:27:28
